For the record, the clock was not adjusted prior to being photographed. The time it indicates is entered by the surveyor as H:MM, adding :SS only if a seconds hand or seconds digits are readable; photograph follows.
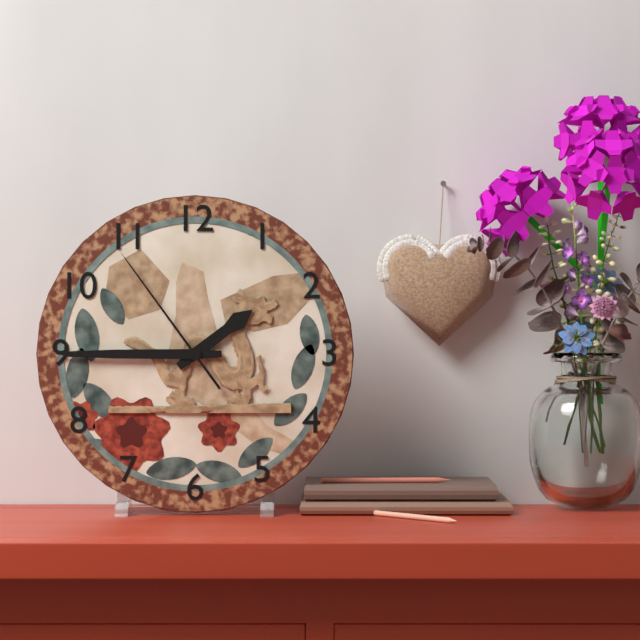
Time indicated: 1:45:54
